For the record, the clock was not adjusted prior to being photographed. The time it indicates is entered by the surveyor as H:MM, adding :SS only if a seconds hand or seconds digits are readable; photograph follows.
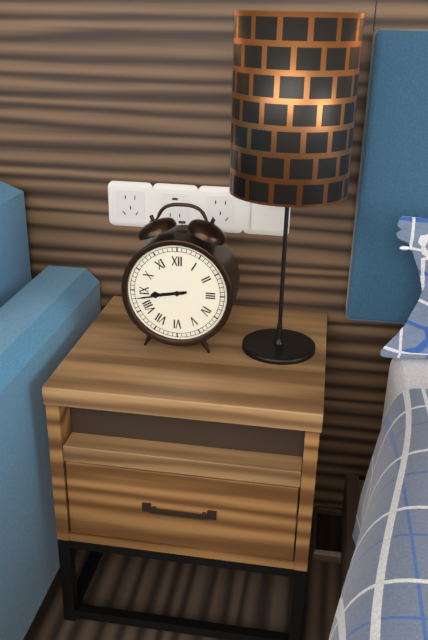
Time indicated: 8:43
